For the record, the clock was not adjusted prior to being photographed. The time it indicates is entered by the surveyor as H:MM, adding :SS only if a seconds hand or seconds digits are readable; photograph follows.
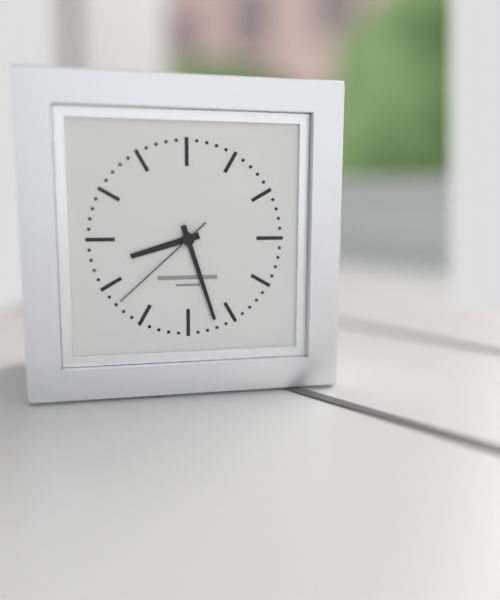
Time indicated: 8:27:38
